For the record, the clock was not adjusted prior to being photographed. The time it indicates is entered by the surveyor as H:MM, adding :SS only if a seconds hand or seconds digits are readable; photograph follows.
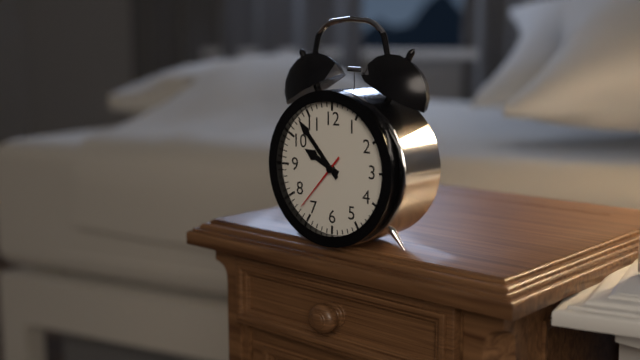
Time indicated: 9:53:37
